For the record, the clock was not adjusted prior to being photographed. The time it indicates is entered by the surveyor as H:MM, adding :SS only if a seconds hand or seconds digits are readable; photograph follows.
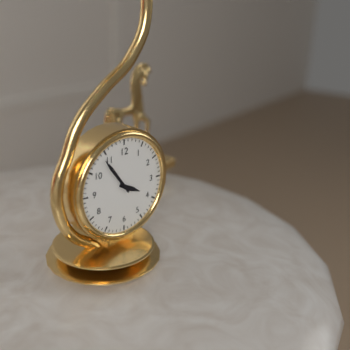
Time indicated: 3:54
